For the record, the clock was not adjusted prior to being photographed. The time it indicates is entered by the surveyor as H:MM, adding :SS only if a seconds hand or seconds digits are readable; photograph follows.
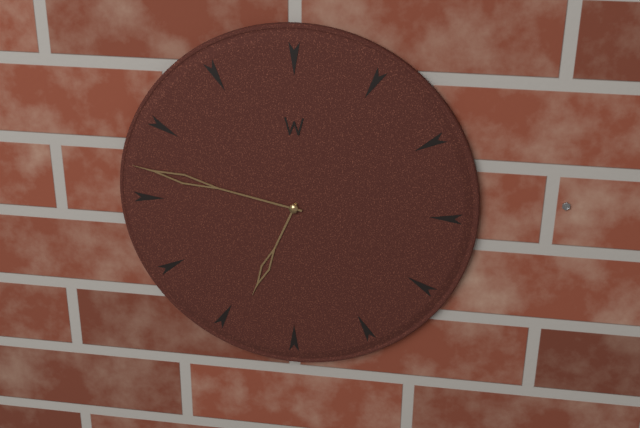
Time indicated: 6:47
